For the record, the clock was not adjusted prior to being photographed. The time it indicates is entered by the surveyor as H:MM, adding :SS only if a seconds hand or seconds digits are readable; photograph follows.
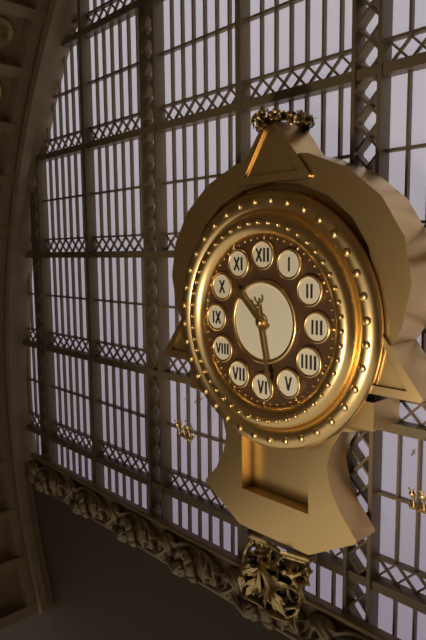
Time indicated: 10:28
